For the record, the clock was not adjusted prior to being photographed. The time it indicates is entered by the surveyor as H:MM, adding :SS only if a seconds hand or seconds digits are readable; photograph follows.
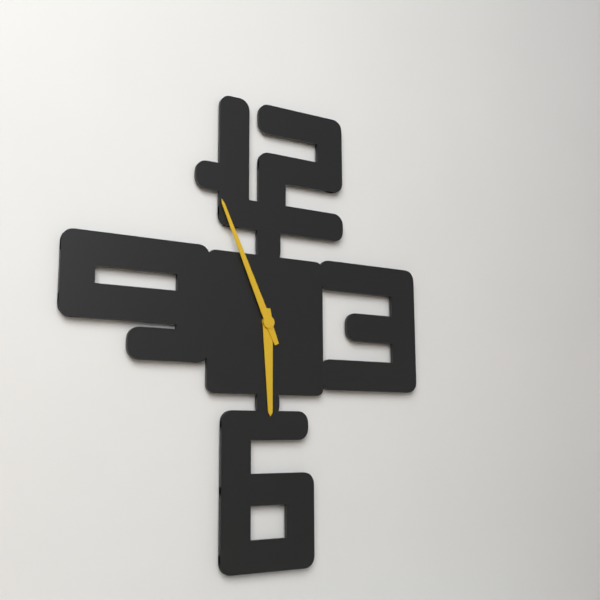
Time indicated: 5:56
